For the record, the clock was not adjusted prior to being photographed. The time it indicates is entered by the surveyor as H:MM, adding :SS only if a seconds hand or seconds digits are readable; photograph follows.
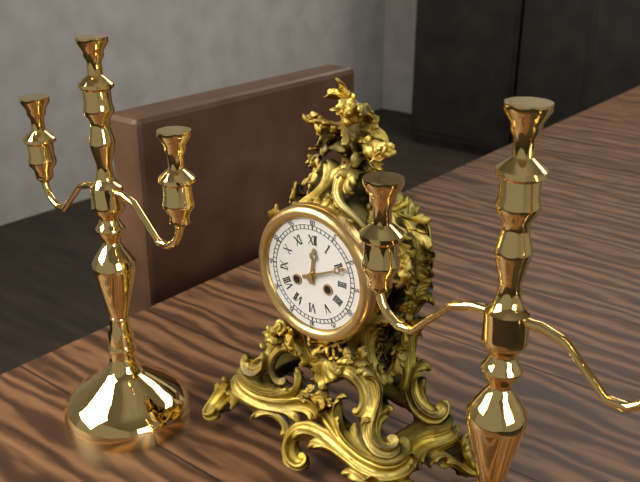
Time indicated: 12:11
